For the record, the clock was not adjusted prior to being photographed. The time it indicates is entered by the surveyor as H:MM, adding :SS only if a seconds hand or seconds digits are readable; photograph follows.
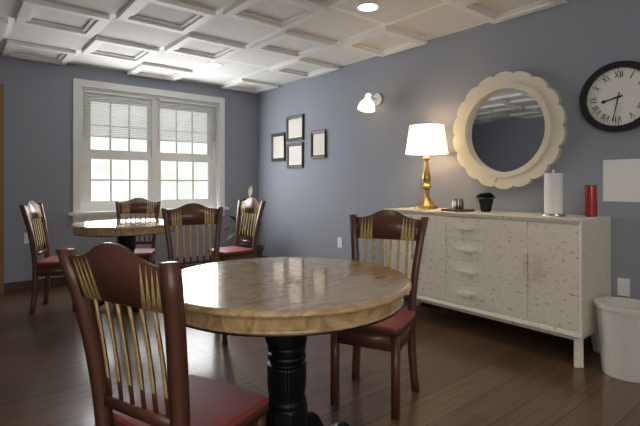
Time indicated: 8:32
